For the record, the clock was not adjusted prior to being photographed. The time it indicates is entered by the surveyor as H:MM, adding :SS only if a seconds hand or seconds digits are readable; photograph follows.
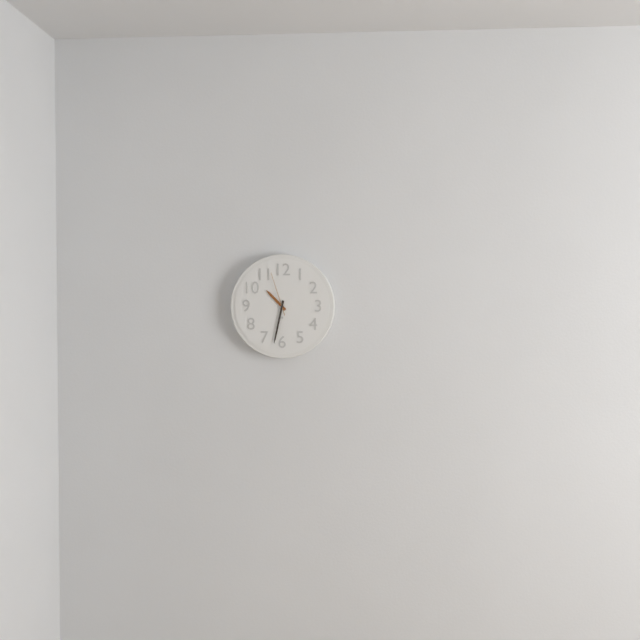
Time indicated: 10:32
